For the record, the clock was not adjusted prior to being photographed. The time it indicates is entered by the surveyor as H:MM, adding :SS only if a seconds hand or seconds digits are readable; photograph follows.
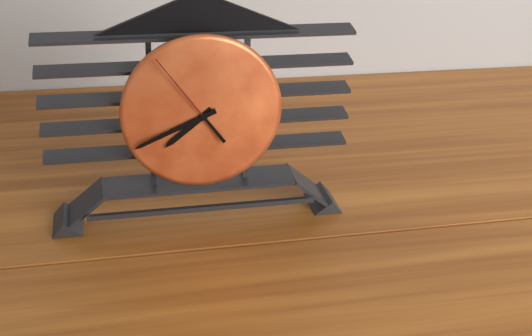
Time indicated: 7:41:54
